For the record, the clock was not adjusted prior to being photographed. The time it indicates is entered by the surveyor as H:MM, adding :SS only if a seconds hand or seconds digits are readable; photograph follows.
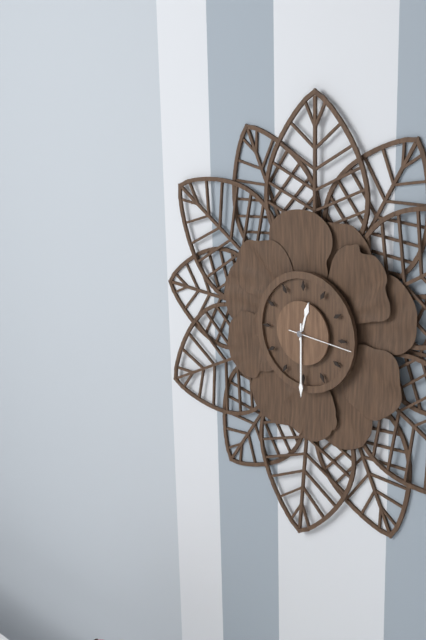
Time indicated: 12:30:16
